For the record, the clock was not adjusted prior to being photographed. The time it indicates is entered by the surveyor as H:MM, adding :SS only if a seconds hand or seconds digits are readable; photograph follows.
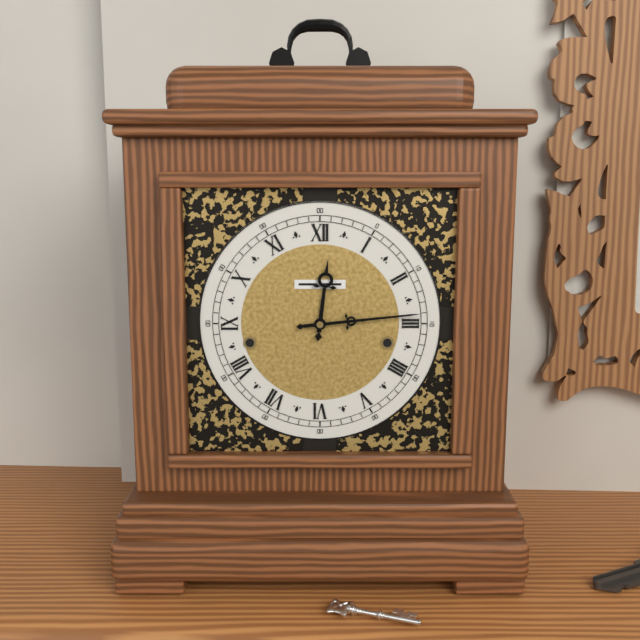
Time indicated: 12:14
